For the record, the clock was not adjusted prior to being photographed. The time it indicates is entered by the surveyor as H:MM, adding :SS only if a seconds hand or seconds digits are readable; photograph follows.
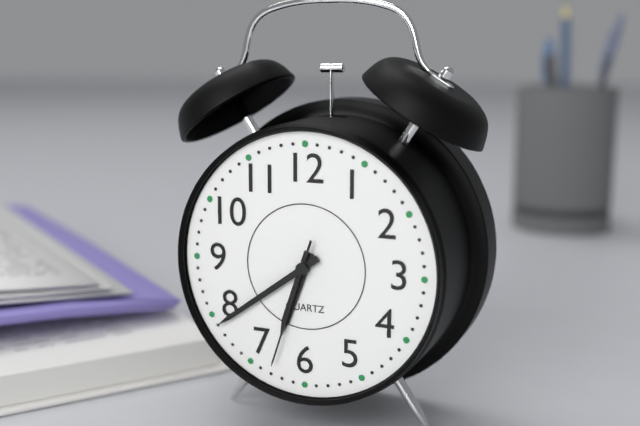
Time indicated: 6:39:33
